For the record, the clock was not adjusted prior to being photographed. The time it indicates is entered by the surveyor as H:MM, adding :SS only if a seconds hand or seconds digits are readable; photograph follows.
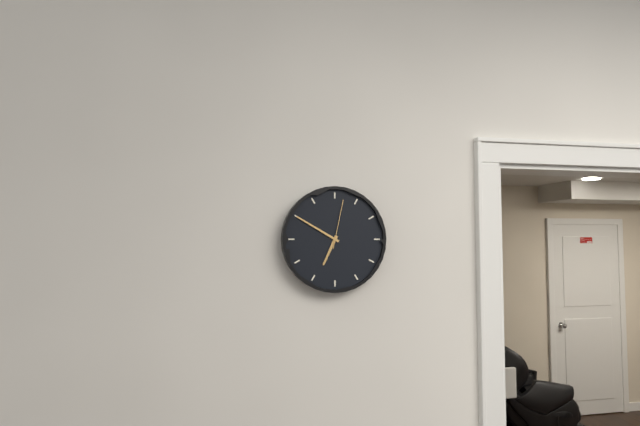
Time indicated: 6:50:02
